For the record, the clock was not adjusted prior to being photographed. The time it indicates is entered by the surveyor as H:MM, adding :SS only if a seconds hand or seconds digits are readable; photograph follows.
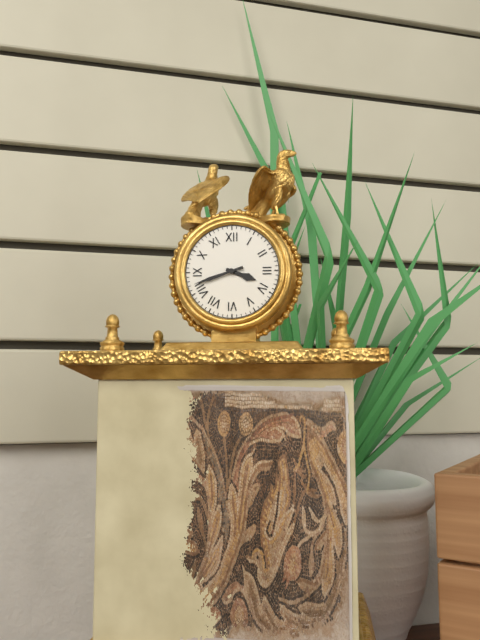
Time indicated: 3:42
